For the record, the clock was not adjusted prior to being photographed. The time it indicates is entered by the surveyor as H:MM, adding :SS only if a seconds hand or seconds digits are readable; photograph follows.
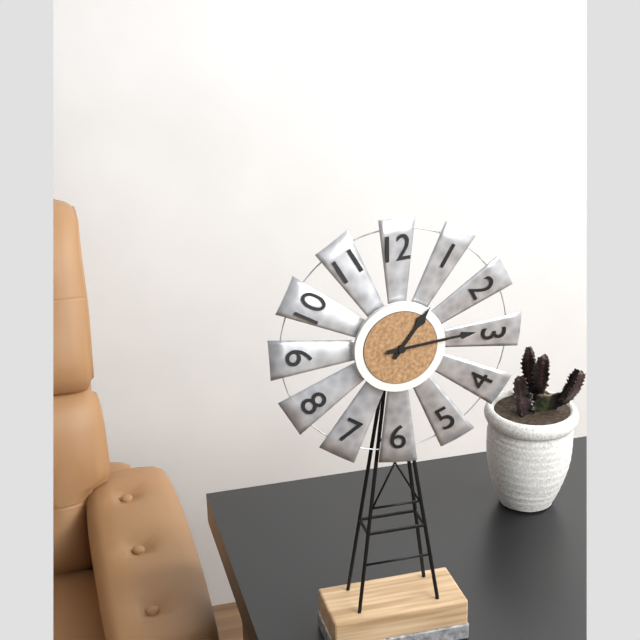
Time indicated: 1:14
